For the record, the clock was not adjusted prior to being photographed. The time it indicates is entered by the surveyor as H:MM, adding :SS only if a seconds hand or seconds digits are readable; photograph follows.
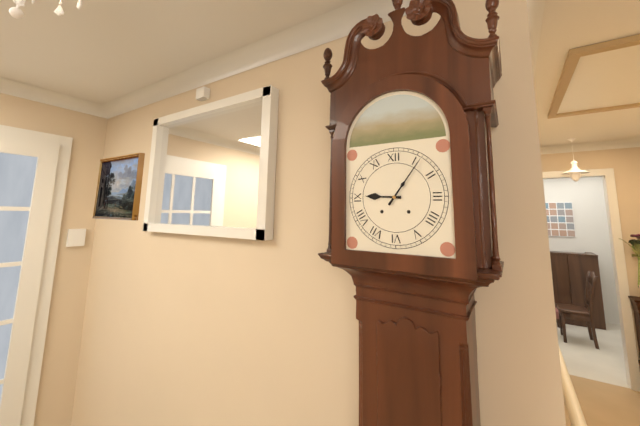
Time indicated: 9:06
